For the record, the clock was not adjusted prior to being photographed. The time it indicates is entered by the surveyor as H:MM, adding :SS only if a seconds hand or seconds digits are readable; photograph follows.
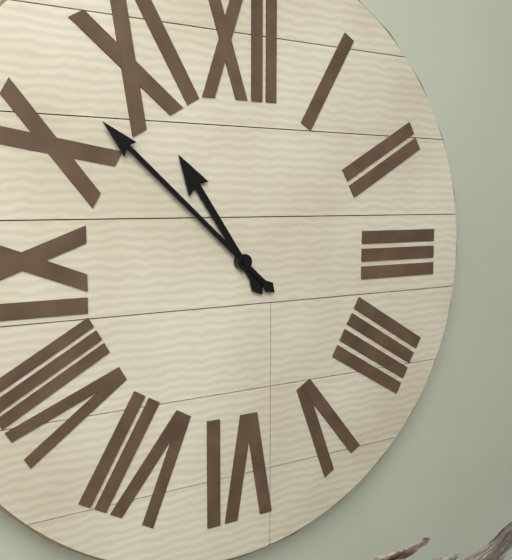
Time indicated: 10:52
